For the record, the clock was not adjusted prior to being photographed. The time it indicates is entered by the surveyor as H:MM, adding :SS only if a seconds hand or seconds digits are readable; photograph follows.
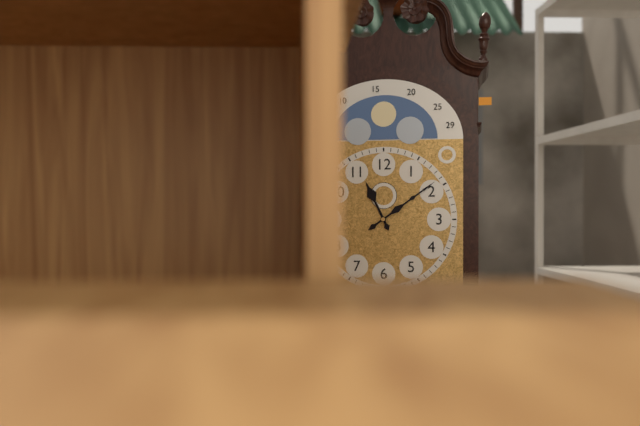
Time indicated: 11:09
